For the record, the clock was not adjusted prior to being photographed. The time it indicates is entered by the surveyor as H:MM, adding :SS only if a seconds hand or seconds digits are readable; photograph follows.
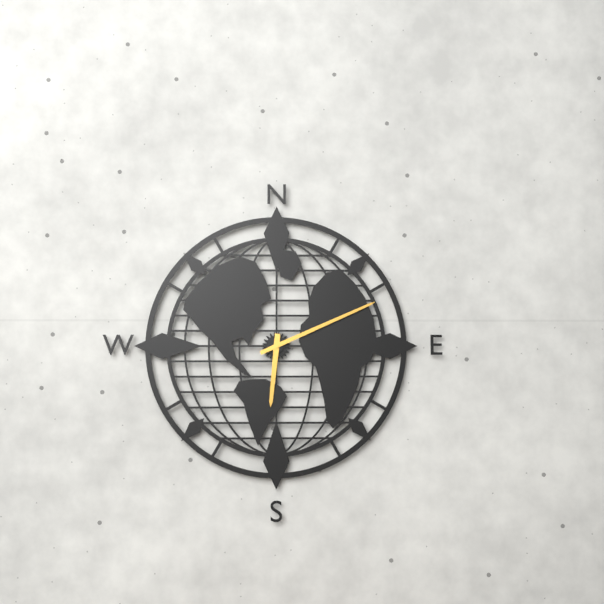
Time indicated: 6:11
